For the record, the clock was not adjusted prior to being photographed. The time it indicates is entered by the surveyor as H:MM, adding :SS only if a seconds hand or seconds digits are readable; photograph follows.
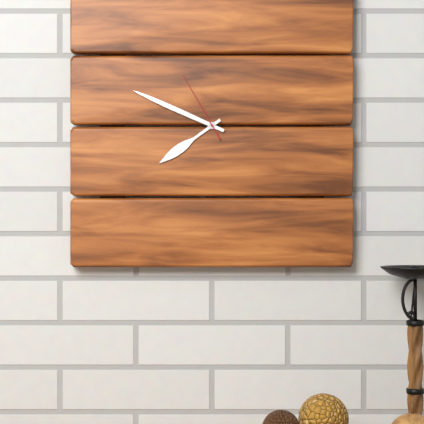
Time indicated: 7:49:55
